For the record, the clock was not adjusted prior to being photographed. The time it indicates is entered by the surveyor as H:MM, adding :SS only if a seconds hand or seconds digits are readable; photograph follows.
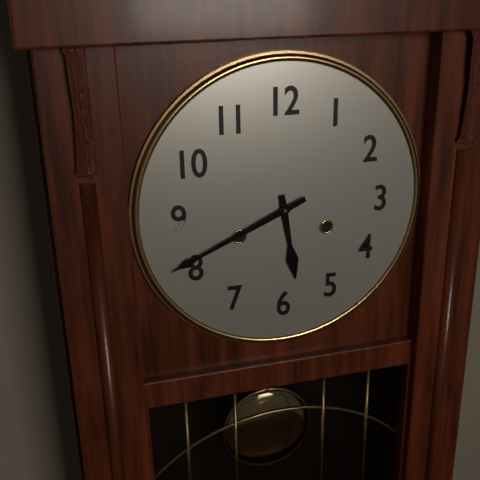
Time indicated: 5:41
